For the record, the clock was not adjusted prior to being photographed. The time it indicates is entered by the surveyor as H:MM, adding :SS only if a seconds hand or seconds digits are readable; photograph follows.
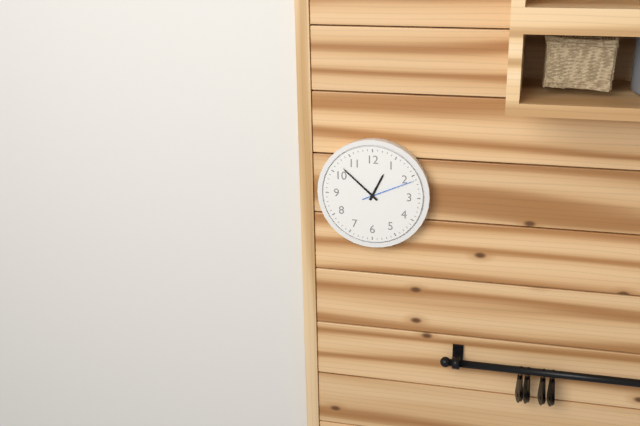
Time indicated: 12:52:11
